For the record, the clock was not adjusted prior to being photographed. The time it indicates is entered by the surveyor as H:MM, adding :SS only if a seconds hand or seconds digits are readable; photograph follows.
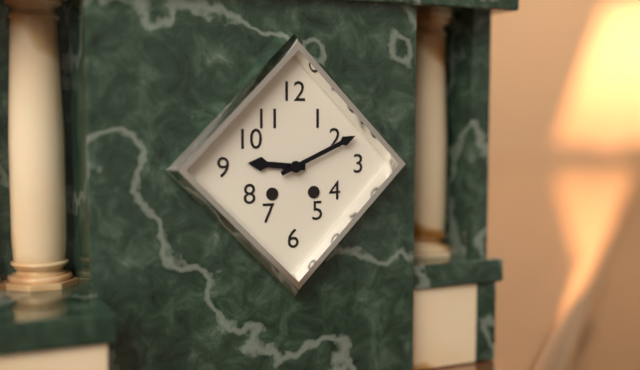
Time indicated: 9:11
